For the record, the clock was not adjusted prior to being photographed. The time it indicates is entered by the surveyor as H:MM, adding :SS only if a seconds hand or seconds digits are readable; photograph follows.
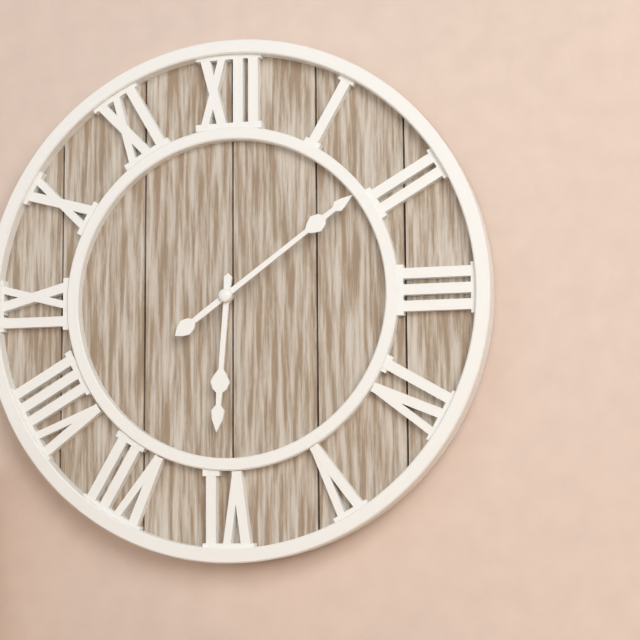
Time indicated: 6:09
